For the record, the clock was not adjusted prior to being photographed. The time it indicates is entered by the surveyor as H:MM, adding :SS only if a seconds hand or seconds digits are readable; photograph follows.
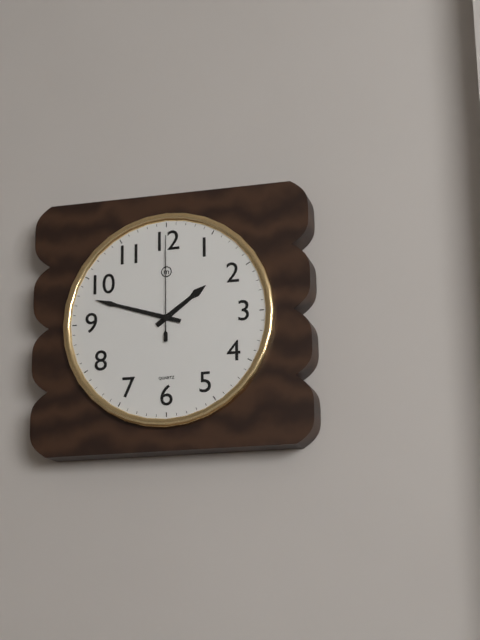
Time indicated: 1:48:00
